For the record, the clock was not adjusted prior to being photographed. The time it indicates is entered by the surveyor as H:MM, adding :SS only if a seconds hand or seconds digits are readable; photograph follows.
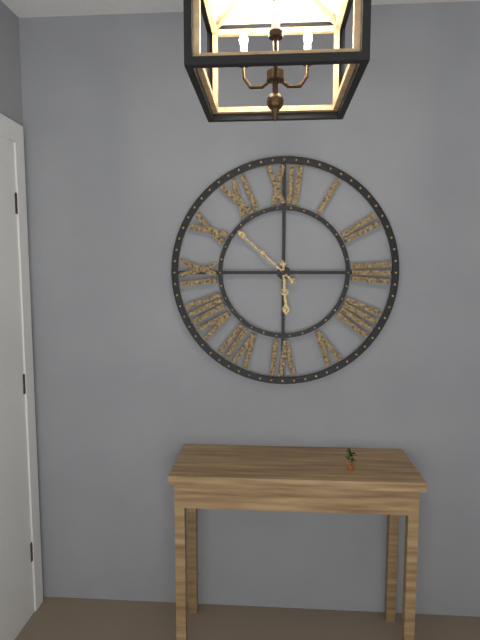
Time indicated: 5:52
